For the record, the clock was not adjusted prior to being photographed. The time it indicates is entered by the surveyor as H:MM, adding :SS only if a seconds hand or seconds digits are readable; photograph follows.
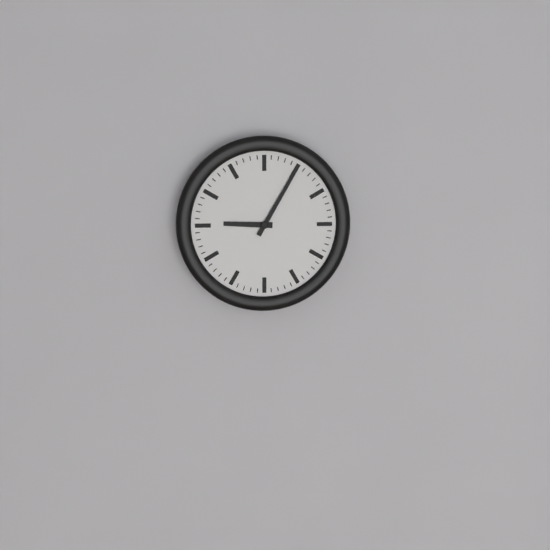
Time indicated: 9:05
